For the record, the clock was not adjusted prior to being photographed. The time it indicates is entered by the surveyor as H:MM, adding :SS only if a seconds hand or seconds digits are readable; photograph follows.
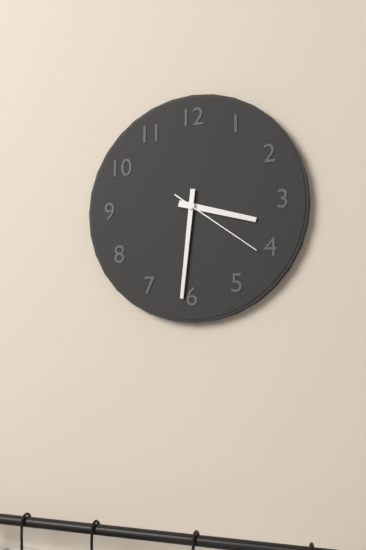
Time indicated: 3:31:21
